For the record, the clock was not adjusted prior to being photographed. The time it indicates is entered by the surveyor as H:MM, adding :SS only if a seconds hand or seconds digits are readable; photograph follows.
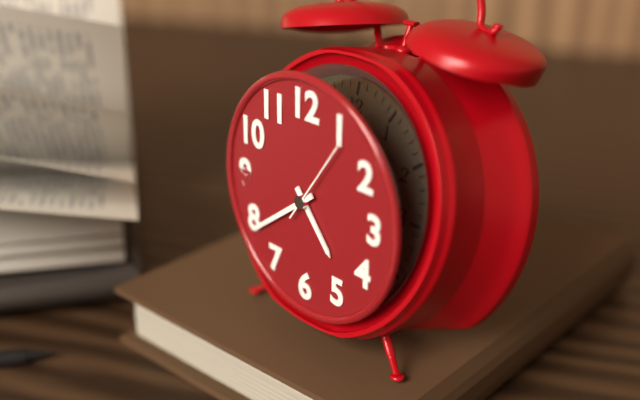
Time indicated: 4:39:06
